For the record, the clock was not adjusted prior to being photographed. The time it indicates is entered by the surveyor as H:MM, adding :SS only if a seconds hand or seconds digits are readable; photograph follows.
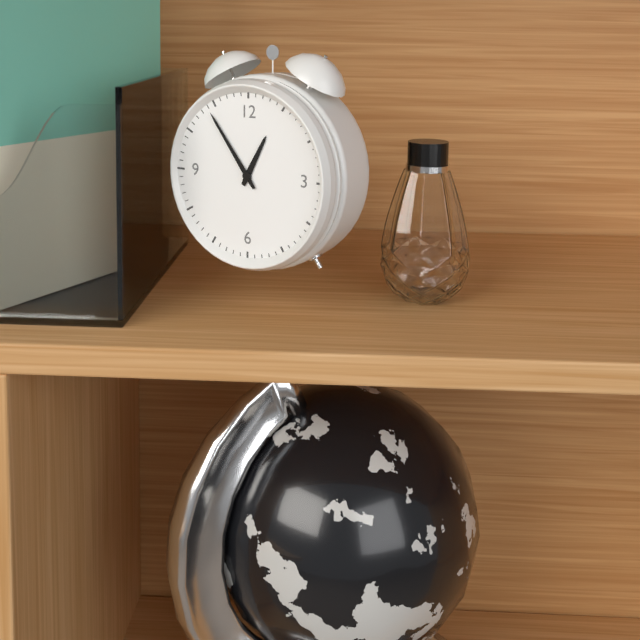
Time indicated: 12:54
